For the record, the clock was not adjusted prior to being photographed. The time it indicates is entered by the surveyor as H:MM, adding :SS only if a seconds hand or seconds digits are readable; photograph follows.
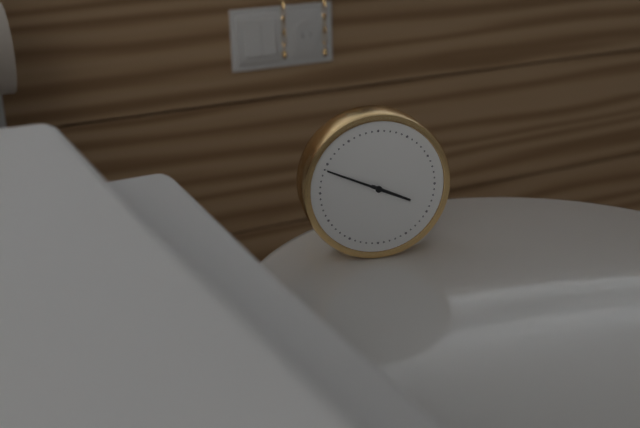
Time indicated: 3:49
